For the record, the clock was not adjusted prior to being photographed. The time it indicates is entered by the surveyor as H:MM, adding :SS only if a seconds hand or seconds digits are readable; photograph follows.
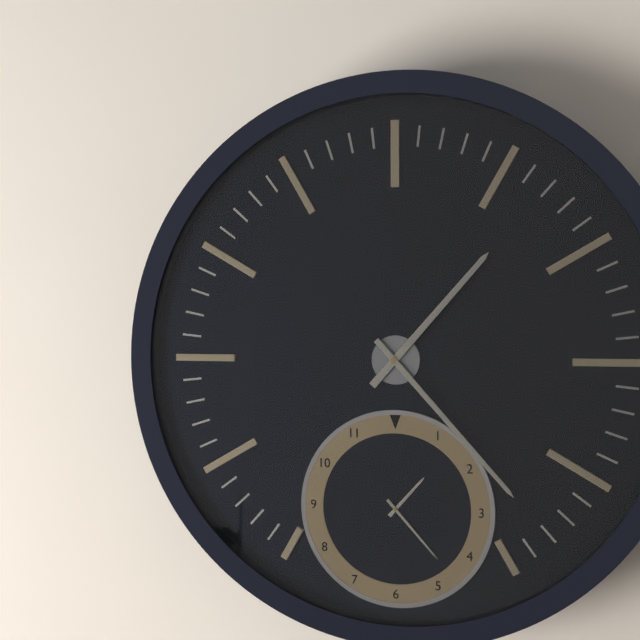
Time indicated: 1:23
